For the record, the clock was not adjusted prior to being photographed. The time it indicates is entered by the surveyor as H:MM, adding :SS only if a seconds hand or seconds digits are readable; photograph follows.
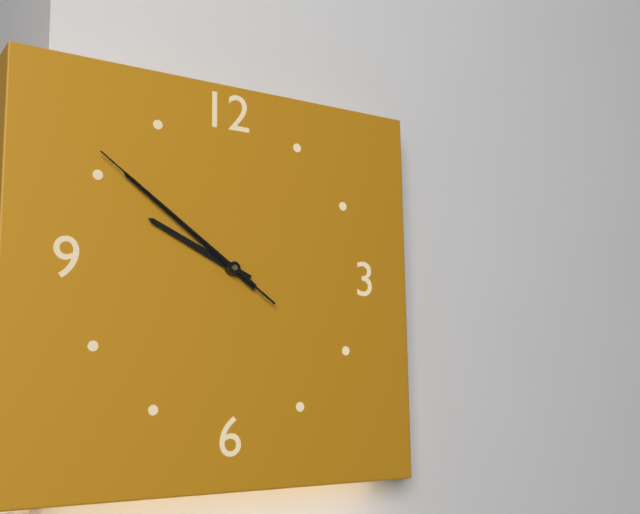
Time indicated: 9:51:51
